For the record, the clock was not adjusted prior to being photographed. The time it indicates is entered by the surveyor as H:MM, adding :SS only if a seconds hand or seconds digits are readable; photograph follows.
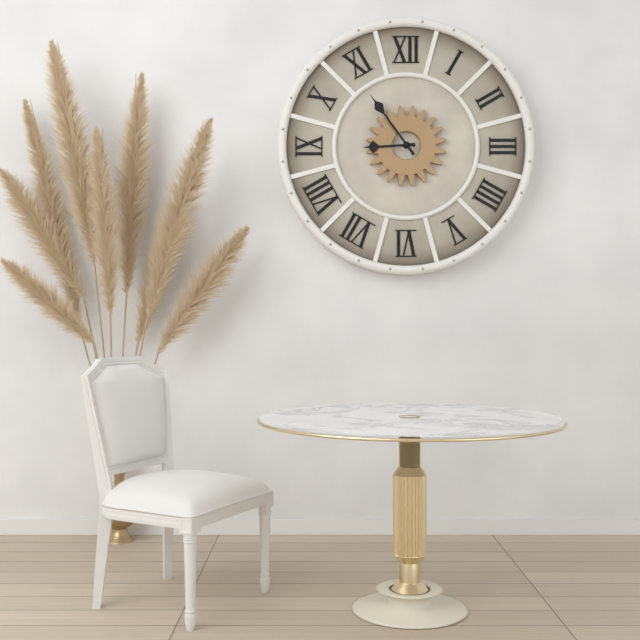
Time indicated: 8:54
